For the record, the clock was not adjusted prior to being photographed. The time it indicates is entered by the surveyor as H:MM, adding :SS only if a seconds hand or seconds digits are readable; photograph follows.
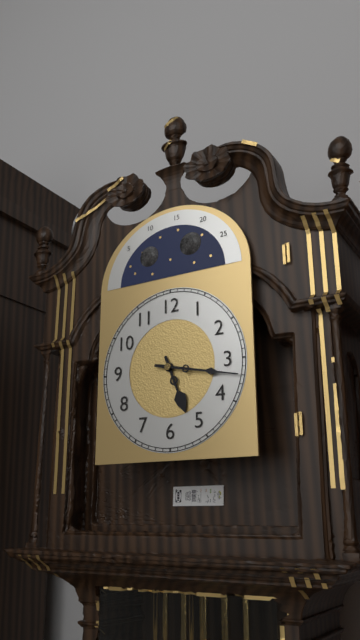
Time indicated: 5:17
